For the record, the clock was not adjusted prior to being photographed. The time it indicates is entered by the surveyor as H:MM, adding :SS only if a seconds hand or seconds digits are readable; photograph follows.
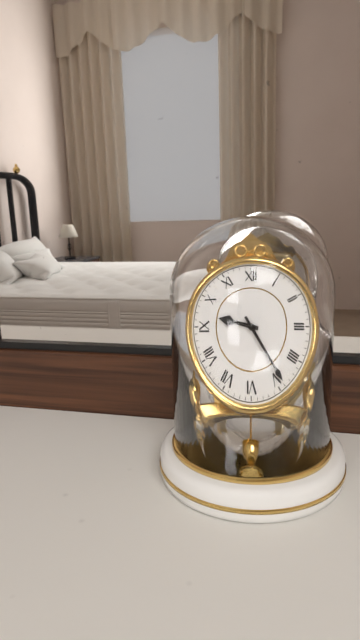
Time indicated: 9:24
